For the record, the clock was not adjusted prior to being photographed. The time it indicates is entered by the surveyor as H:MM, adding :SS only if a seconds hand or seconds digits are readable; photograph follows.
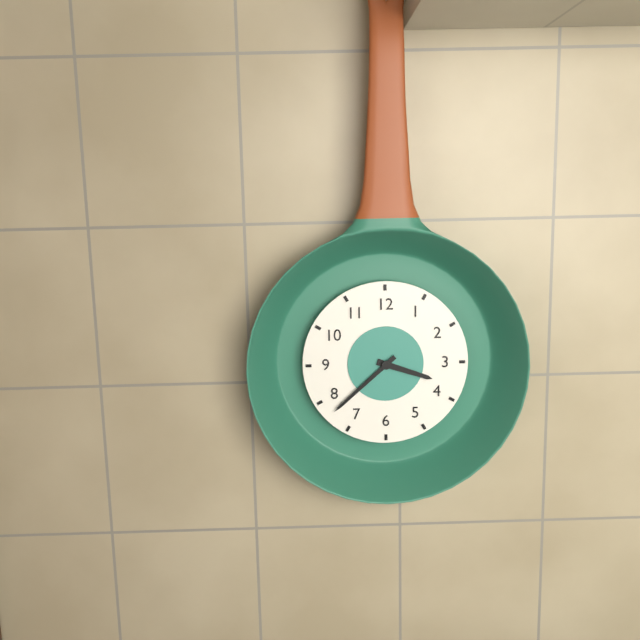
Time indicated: 3:38
